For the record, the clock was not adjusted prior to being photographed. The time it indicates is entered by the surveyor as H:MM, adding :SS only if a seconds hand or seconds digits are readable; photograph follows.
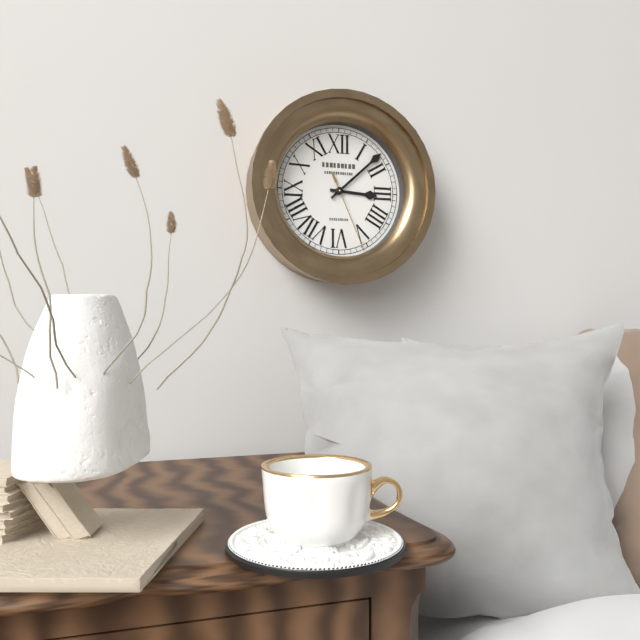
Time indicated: 3:08:26
